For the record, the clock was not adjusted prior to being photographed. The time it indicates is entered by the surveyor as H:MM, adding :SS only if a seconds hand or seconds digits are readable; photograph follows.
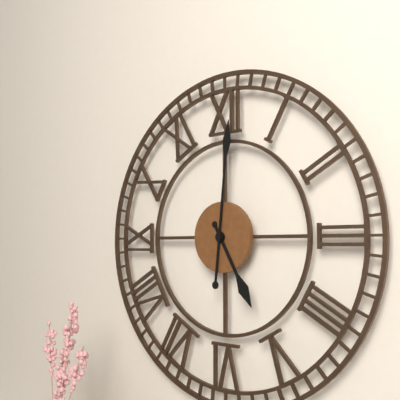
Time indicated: 5:01
